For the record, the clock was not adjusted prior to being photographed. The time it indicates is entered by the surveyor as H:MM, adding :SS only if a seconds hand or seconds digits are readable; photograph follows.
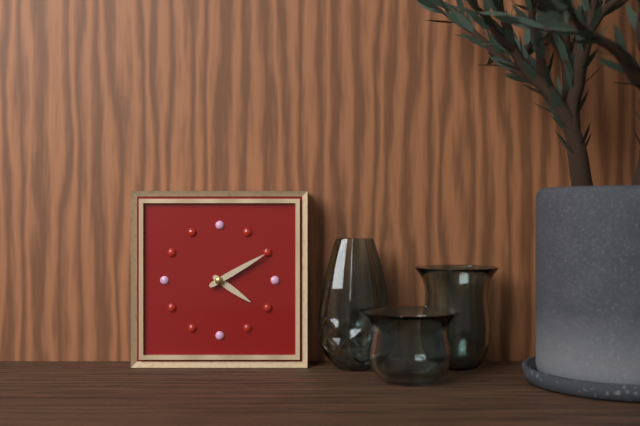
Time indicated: 4:10
